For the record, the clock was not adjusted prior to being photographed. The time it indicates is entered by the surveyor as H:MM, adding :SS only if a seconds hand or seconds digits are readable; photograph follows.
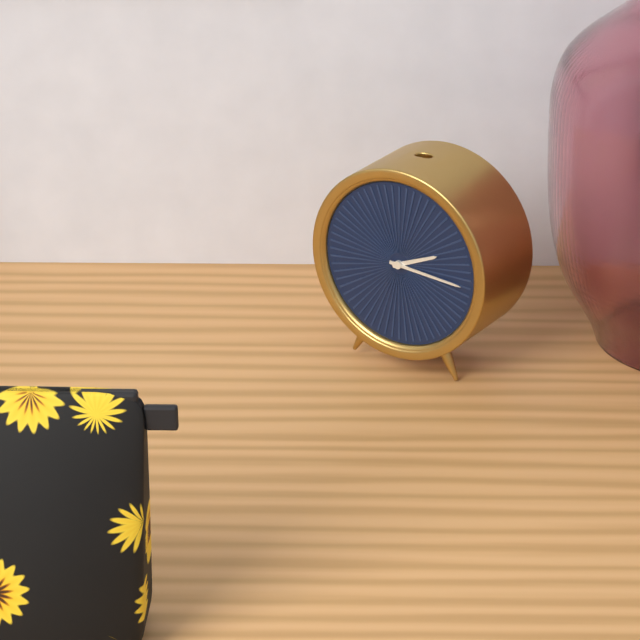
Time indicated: 2:16
